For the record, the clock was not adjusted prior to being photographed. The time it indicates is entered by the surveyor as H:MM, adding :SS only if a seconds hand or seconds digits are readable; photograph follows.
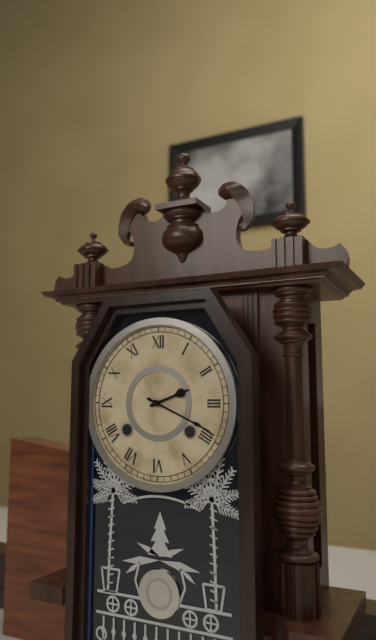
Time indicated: 2:19
